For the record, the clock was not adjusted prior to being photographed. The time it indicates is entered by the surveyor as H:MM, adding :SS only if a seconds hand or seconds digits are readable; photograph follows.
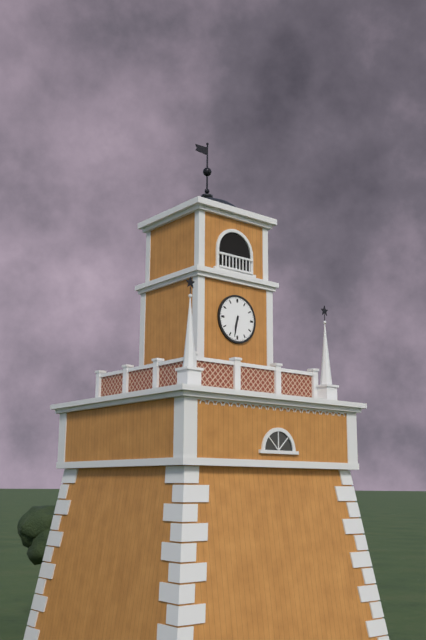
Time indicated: 6:32
